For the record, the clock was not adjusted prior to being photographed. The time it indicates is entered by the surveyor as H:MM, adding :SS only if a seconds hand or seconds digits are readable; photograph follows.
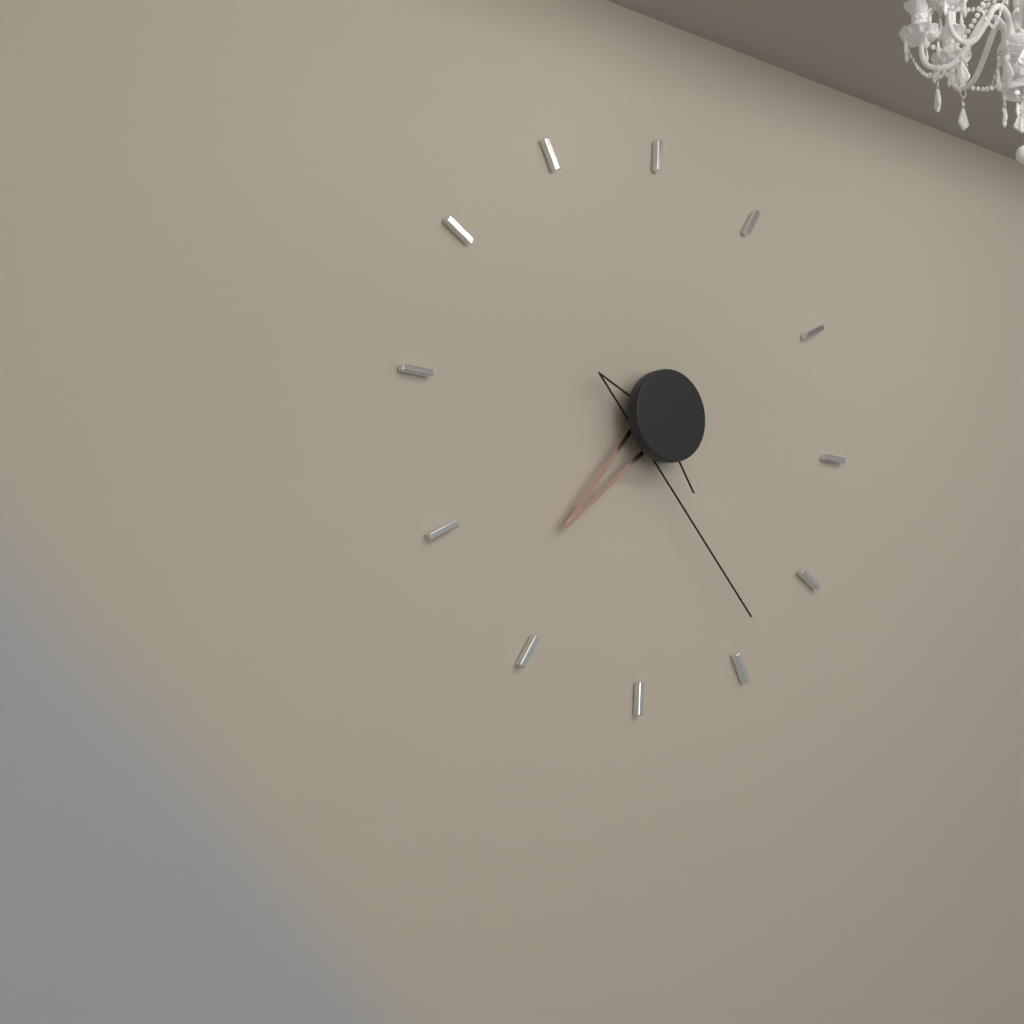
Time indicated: 7:24
